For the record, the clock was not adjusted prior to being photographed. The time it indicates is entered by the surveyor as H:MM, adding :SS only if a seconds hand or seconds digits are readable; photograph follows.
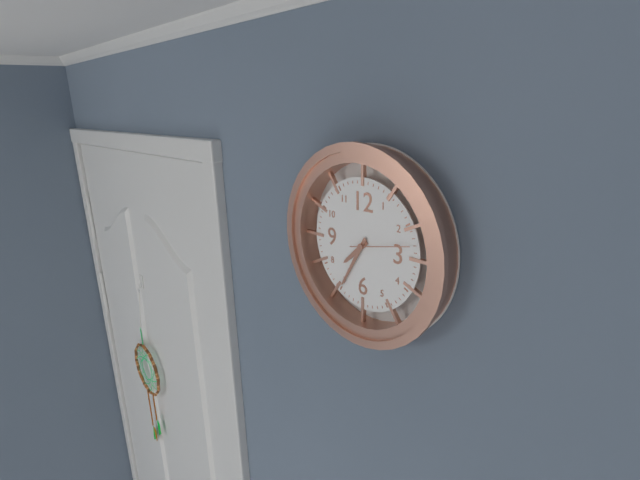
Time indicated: 7:35:13
